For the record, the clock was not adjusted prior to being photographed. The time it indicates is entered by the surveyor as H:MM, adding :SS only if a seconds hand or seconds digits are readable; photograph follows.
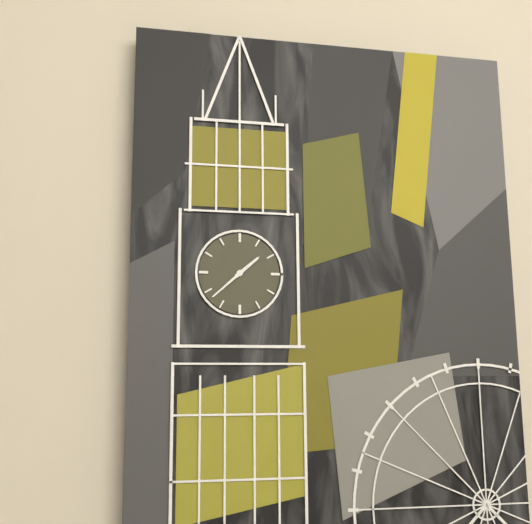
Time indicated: 1:38
